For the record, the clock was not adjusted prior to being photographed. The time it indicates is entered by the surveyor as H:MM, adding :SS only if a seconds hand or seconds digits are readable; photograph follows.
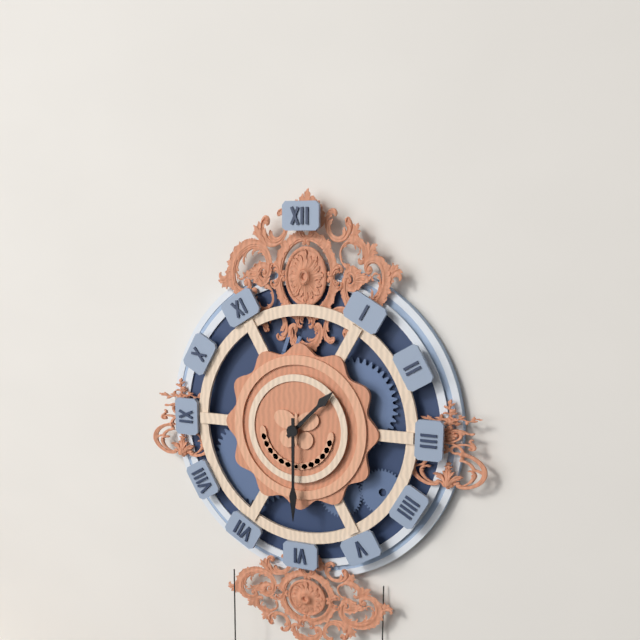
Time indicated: 1:30
